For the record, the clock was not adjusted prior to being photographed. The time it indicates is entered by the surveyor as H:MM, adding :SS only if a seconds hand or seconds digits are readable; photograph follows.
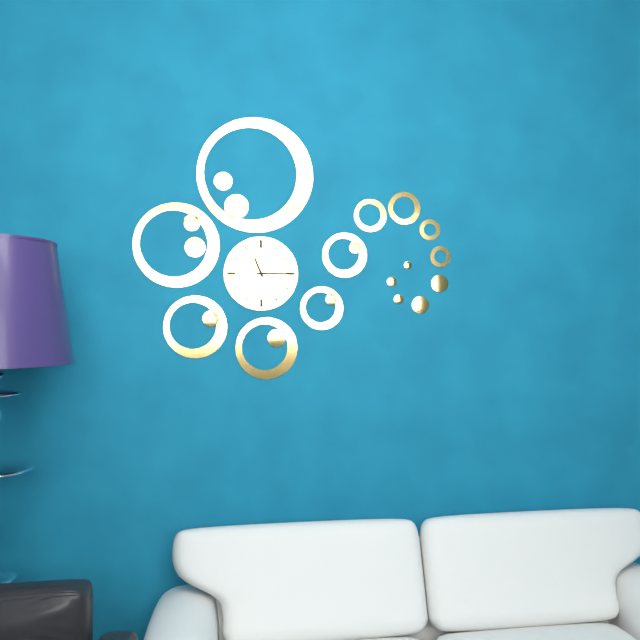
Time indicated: 11:15
